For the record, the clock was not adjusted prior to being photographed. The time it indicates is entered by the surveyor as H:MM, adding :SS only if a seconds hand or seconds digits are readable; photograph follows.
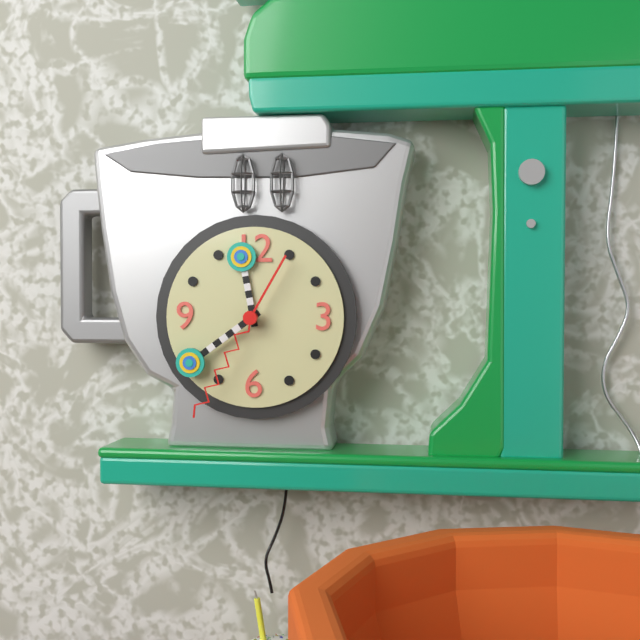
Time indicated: 11:39:35
